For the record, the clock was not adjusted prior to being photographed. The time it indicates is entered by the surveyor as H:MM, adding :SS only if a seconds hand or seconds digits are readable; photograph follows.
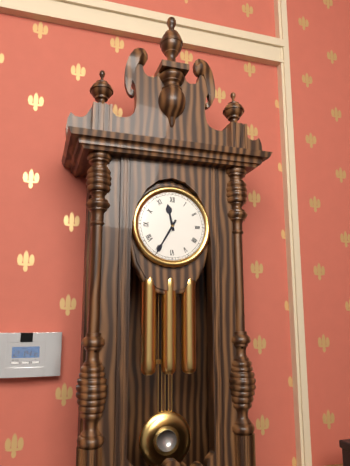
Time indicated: 11:35
